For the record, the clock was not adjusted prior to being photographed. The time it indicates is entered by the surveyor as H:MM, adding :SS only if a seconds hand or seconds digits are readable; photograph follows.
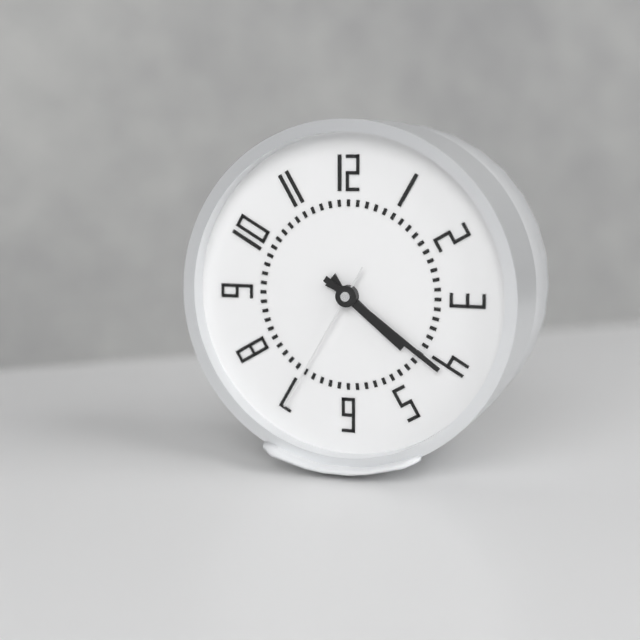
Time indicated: 4:21:35
